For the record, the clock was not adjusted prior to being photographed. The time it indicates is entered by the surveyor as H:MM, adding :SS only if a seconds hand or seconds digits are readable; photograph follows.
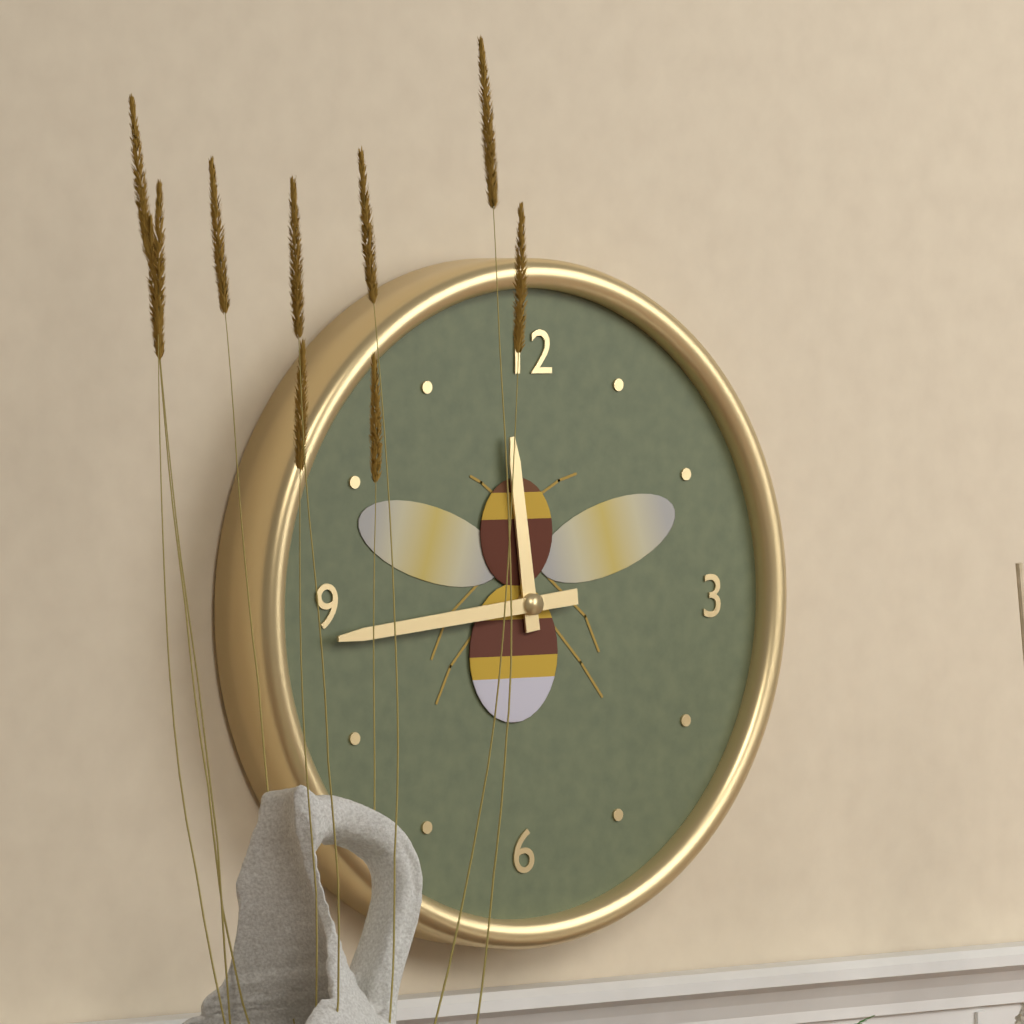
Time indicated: 11:44
